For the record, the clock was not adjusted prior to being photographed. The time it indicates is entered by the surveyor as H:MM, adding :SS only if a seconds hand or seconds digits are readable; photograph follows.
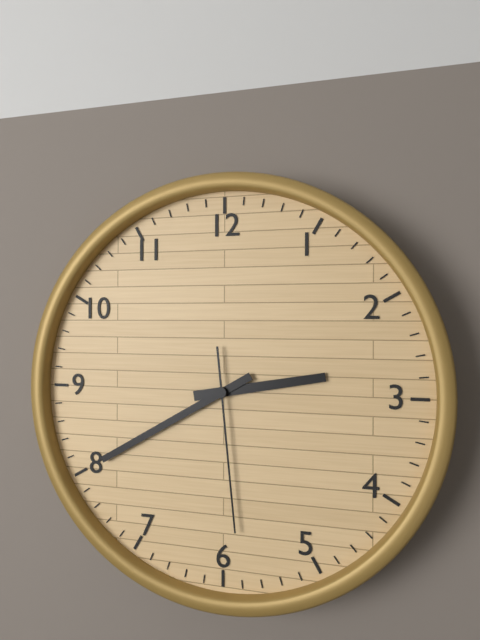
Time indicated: 2:40:29
